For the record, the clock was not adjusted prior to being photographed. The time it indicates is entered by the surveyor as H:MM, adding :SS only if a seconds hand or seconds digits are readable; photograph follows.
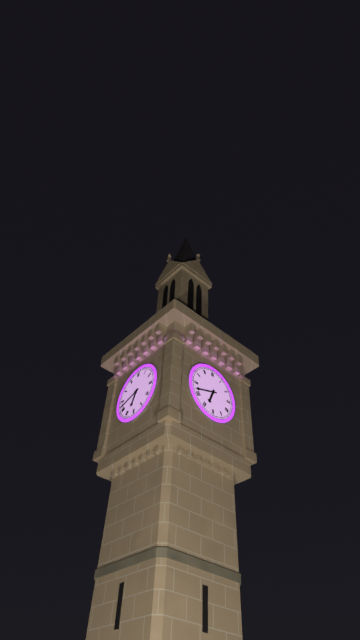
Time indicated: 6:42
